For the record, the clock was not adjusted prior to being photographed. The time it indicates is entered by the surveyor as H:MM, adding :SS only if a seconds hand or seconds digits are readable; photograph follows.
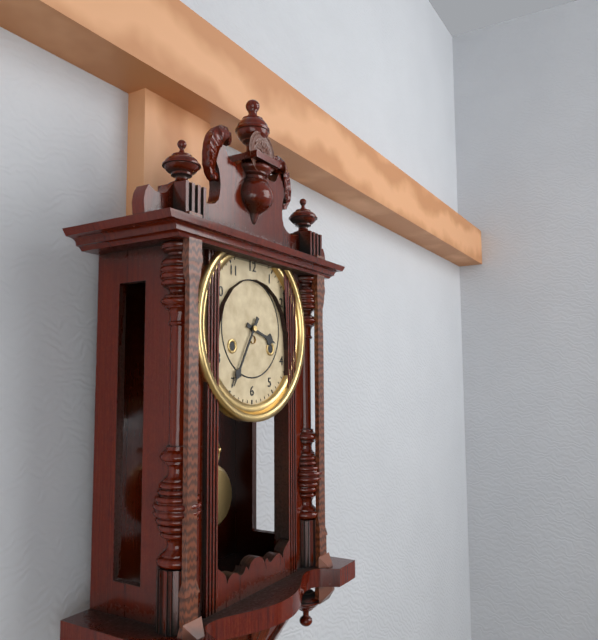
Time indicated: 3:35
